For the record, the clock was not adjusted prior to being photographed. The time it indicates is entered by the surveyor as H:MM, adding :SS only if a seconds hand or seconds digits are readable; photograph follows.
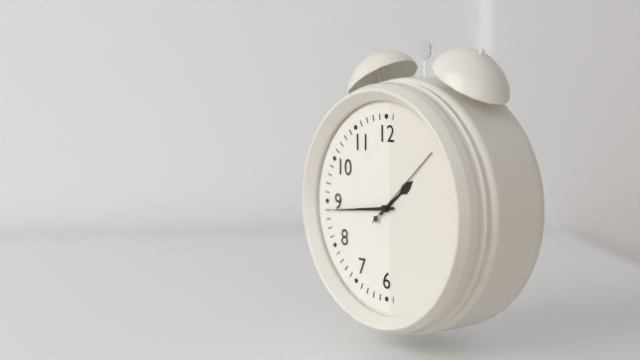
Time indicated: 1:44:08
